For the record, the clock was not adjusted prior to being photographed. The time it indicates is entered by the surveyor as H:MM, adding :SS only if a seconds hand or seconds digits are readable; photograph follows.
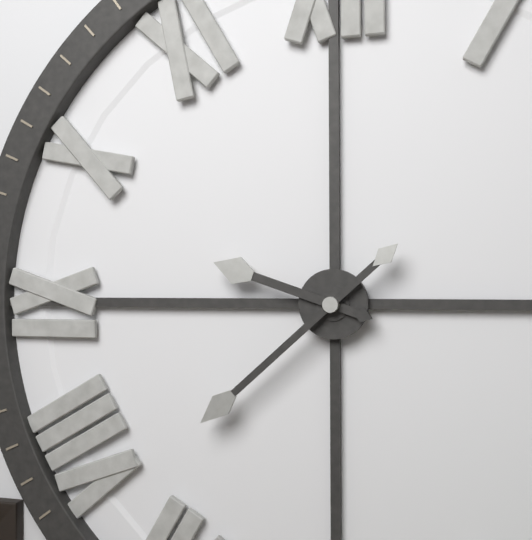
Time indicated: 9:38
